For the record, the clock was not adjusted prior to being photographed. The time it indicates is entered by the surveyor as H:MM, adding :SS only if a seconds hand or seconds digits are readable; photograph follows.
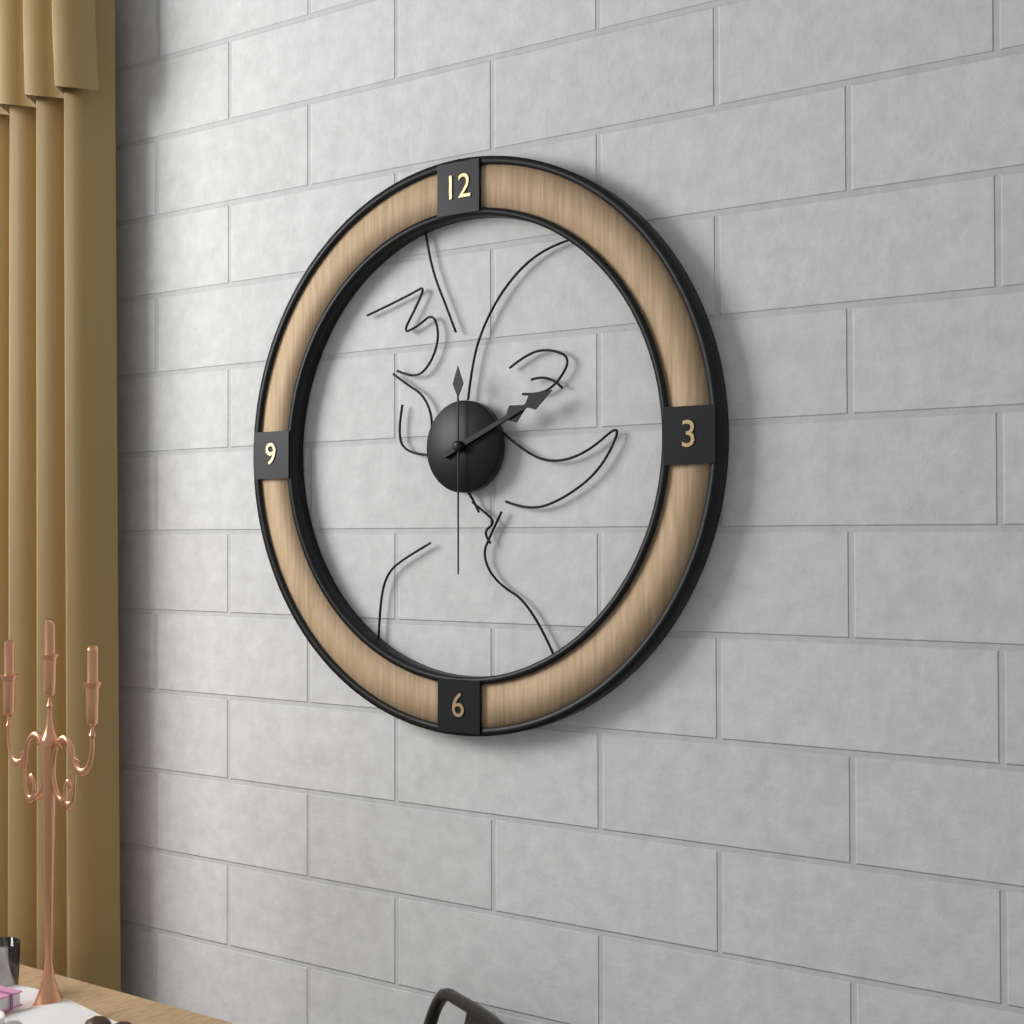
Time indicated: 2:11:30
